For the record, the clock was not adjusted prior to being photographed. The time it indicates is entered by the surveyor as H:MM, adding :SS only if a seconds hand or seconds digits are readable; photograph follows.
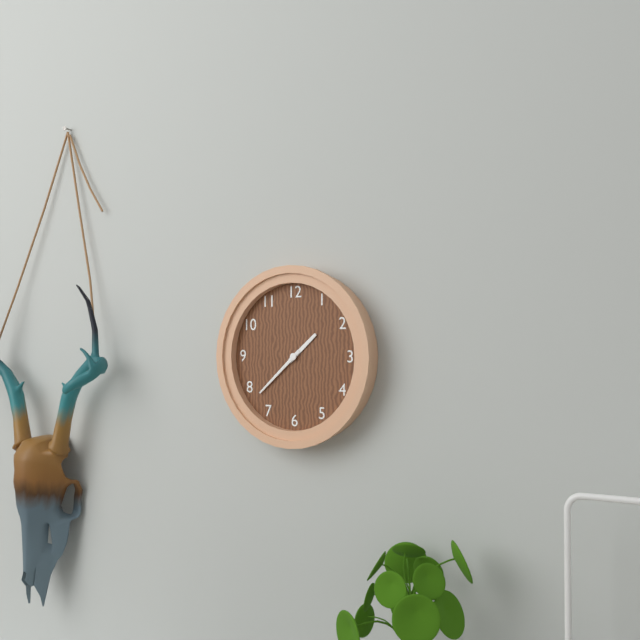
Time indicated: 1:38
